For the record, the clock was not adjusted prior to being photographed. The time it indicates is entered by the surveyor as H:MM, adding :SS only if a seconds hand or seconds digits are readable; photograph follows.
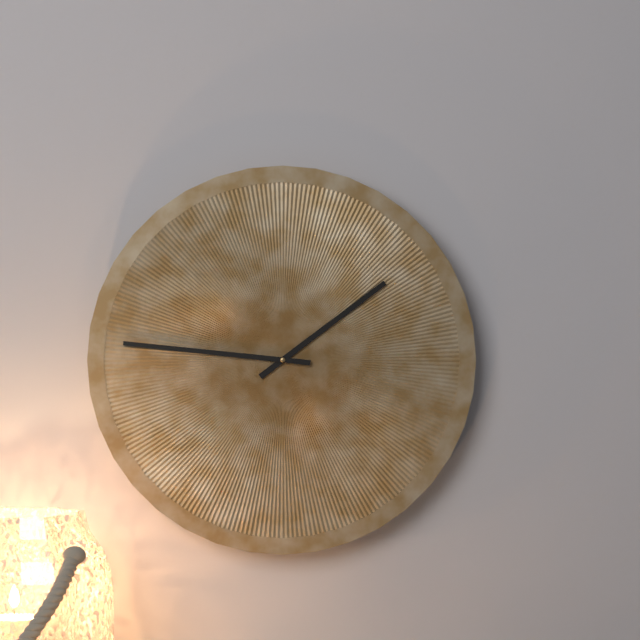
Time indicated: 1:46
